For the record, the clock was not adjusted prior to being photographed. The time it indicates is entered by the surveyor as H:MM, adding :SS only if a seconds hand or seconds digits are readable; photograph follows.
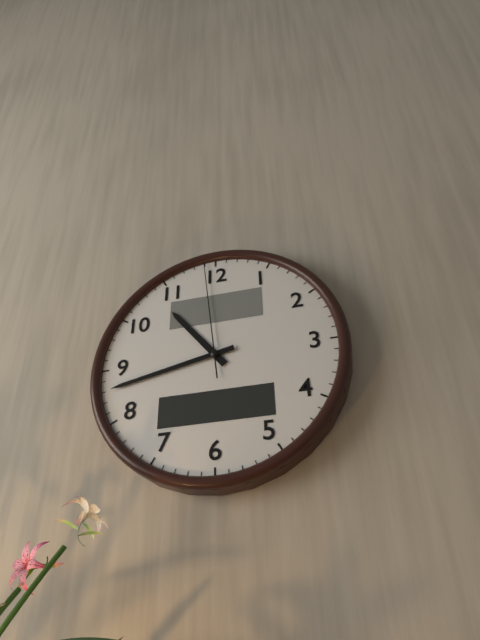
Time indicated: 10:43:59
